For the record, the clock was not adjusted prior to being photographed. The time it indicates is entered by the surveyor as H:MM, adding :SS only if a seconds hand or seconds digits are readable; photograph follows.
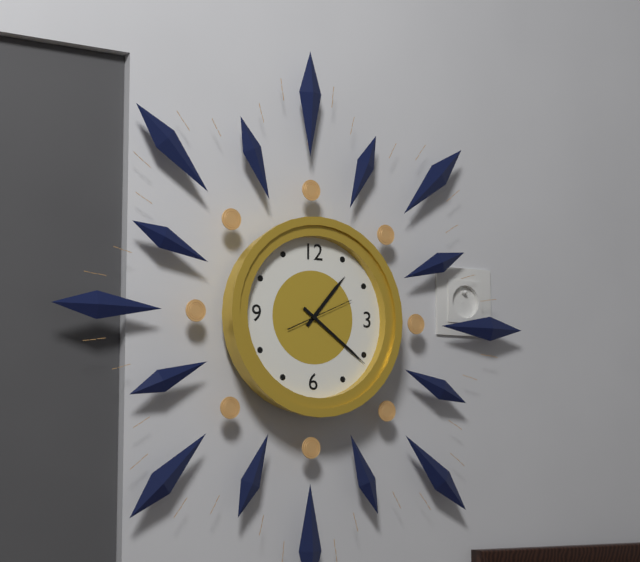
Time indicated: 1:21:11
